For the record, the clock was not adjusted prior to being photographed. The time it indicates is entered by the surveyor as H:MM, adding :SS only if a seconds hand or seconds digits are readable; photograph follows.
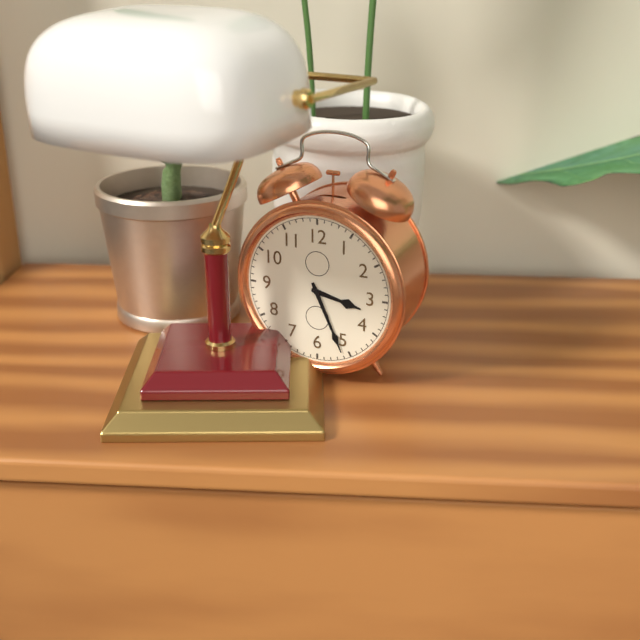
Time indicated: 3:26
